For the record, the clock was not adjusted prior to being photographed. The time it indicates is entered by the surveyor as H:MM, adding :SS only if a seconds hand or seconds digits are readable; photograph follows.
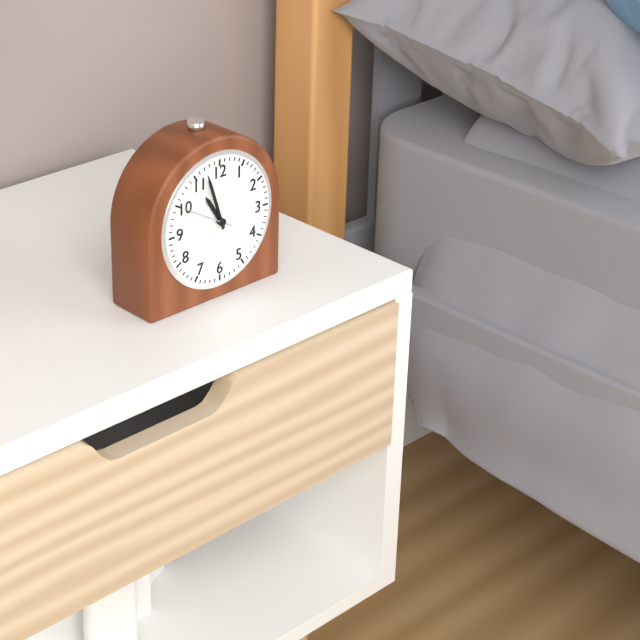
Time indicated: 10:57:50
